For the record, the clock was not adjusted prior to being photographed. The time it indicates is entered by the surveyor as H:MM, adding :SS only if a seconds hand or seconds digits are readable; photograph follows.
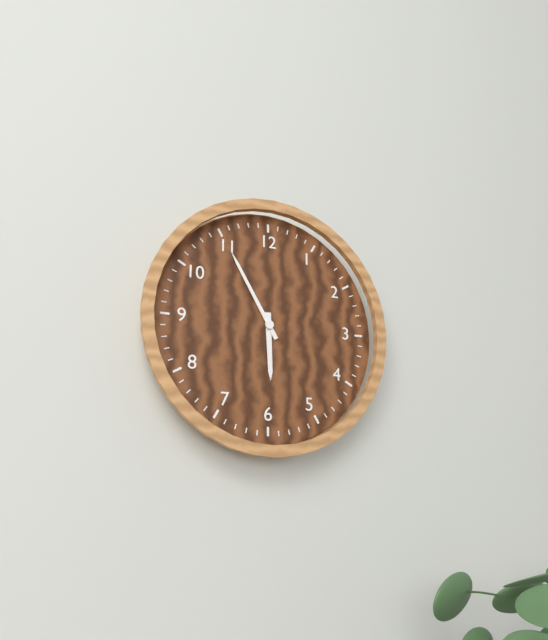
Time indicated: 5:55
